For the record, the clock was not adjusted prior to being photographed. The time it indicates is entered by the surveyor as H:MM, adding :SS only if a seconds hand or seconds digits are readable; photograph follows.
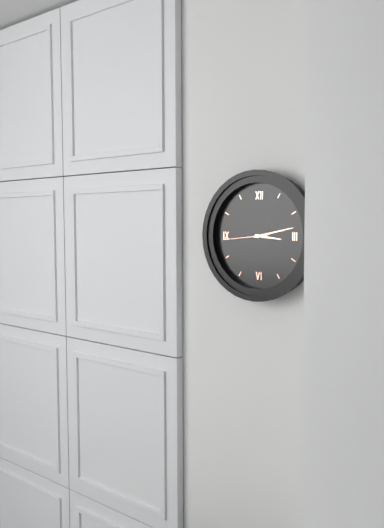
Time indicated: 3:13
